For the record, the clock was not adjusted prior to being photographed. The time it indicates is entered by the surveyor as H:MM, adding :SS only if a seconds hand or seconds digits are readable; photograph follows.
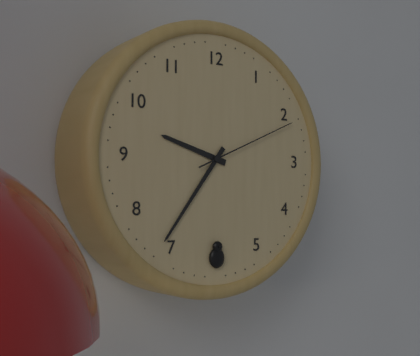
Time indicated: 9:36:11
